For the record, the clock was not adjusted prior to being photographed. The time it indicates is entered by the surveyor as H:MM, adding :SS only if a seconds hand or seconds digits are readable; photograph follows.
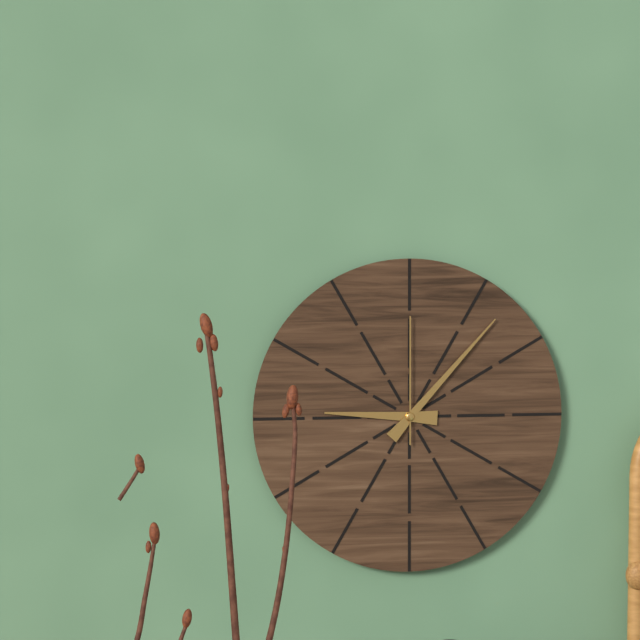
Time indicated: 9:07:00
